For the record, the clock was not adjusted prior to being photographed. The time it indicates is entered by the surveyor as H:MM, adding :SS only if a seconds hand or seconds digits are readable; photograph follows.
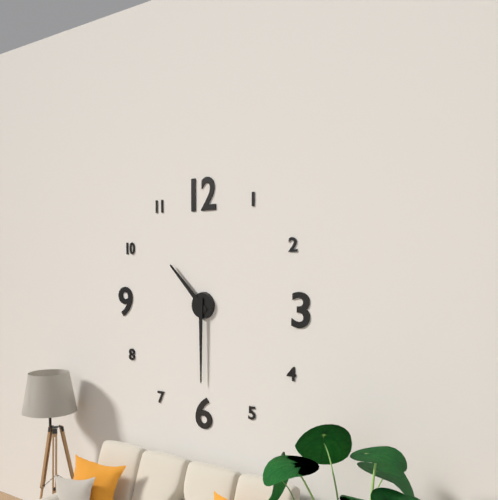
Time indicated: 10:30
